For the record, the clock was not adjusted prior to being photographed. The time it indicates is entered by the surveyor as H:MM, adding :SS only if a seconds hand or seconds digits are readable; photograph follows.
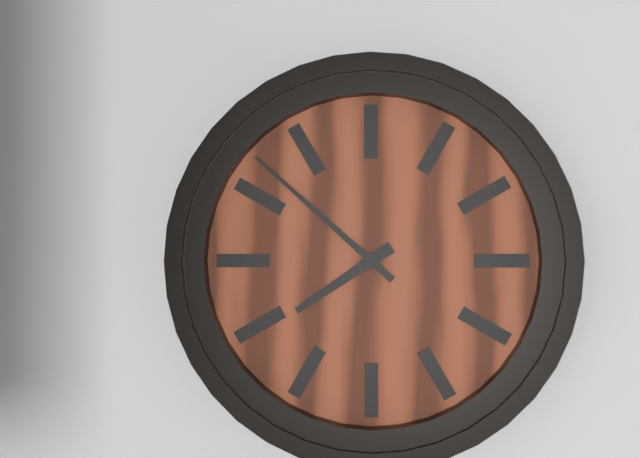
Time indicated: 7:52
